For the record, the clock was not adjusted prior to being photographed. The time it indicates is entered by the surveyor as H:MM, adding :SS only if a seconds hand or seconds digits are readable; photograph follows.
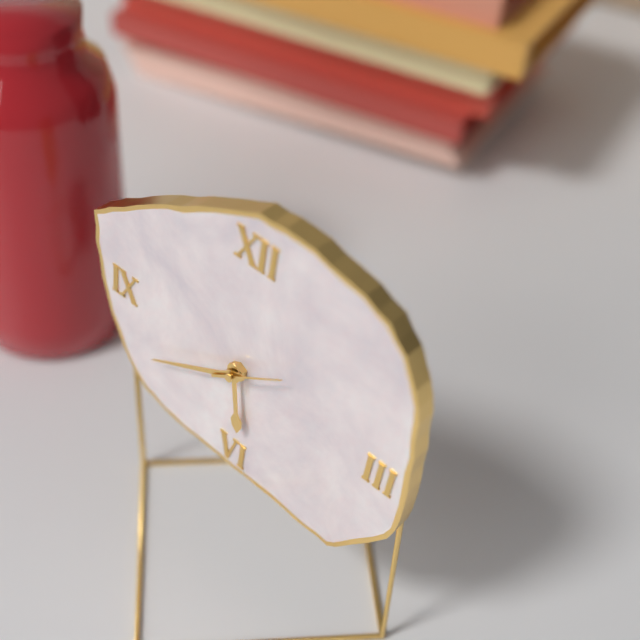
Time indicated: 5:40:09
